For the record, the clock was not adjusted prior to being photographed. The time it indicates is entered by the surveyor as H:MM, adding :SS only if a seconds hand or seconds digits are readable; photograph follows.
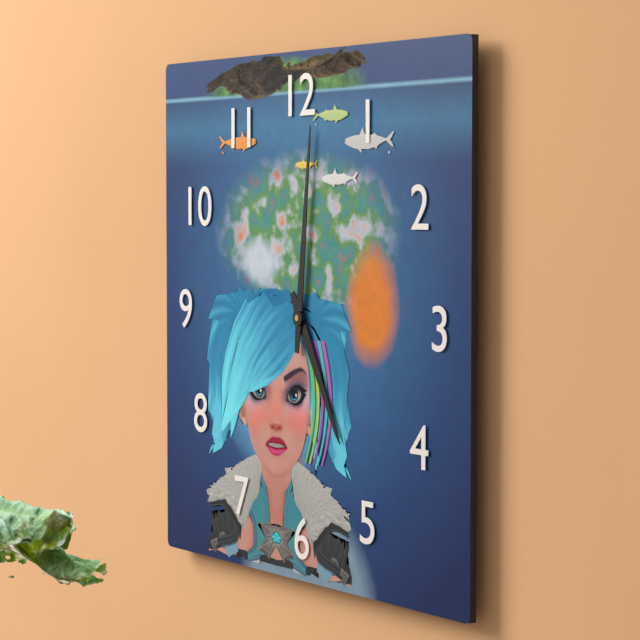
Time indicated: 5:01
